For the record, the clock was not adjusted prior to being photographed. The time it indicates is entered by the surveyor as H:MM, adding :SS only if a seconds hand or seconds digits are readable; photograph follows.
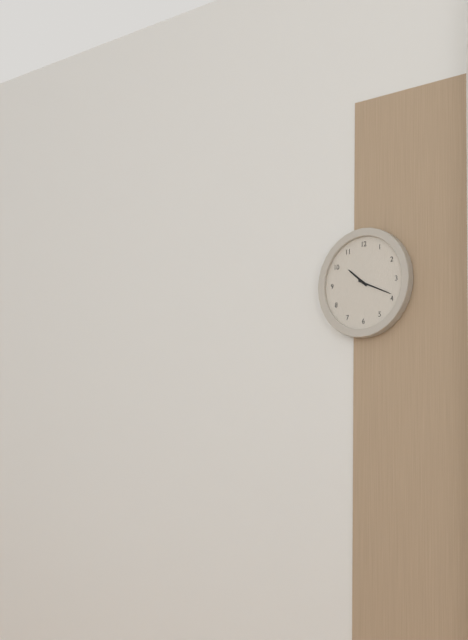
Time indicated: 10:19
